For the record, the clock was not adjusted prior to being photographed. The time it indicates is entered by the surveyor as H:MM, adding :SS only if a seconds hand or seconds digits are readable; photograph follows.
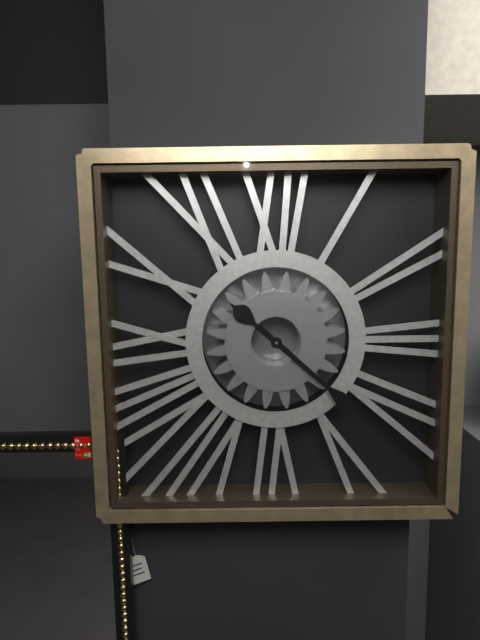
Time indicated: 10:22
